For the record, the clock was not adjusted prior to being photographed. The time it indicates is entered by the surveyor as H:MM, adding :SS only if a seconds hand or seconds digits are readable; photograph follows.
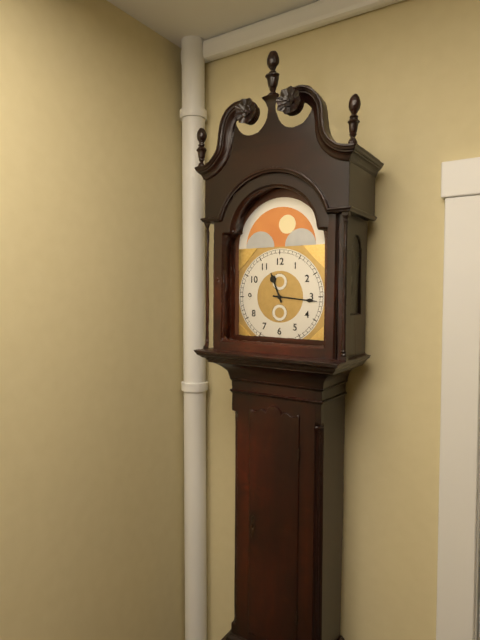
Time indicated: 11:16
